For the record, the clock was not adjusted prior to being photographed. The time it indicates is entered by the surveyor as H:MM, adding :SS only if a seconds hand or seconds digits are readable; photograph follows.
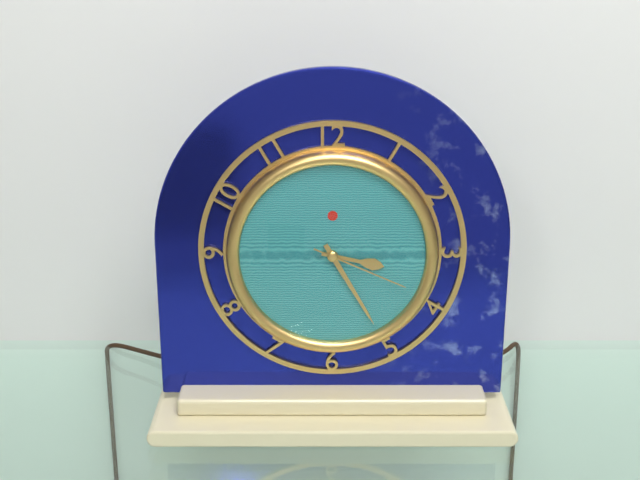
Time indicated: 3:25:19
